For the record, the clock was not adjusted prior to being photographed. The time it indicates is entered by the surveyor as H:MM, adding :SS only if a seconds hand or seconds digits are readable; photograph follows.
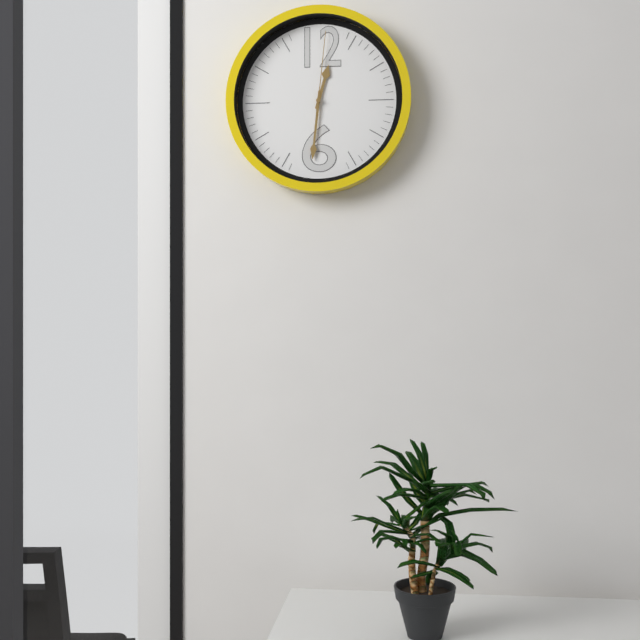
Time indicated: 12:31:01
